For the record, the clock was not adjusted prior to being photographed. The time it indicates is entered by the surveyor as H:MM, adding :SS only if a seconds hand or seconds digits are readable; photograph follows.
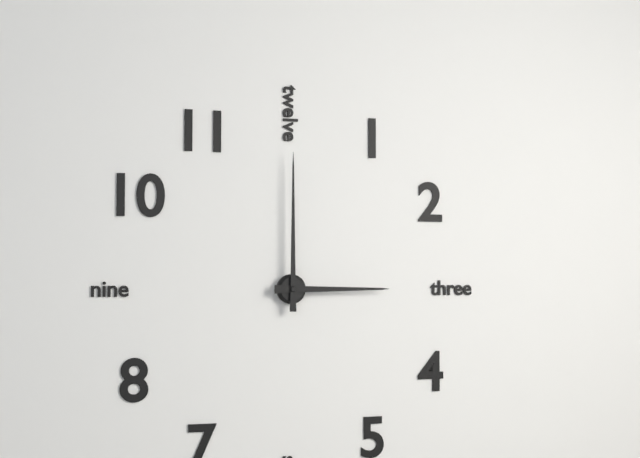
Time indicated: 3:00
